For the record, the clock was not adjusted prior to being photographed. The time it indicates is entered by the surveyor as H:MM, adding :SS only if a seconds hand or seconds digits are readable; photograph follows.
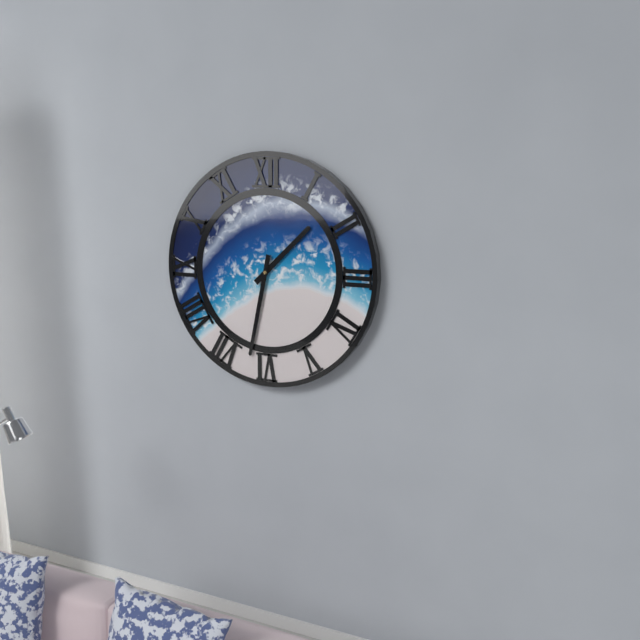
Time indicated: 1:32
